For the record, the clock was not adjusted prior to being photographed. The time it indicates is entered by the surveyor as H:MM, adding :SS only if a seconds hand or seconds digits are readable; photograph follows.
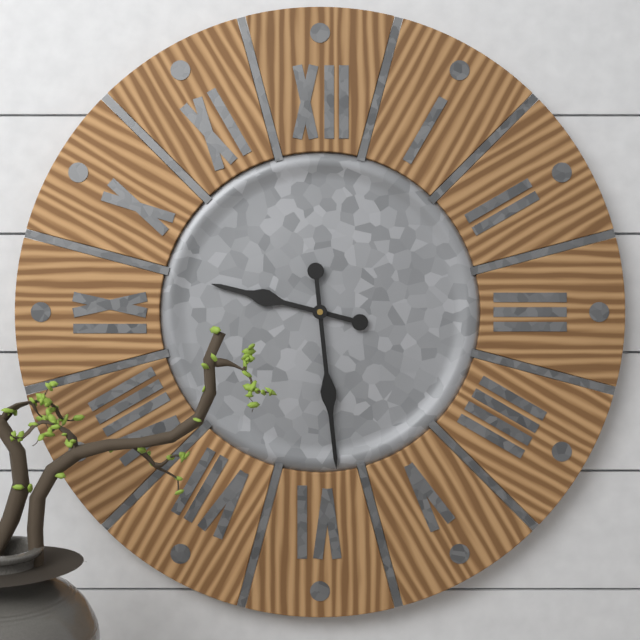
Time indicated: 9:29
